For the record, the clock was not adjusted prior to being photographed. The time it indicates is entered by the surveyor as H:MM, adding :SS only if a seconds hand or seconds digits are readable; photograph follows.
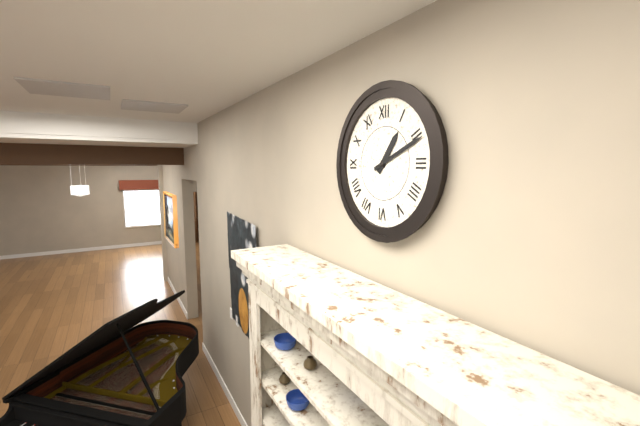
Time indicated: 1:11
